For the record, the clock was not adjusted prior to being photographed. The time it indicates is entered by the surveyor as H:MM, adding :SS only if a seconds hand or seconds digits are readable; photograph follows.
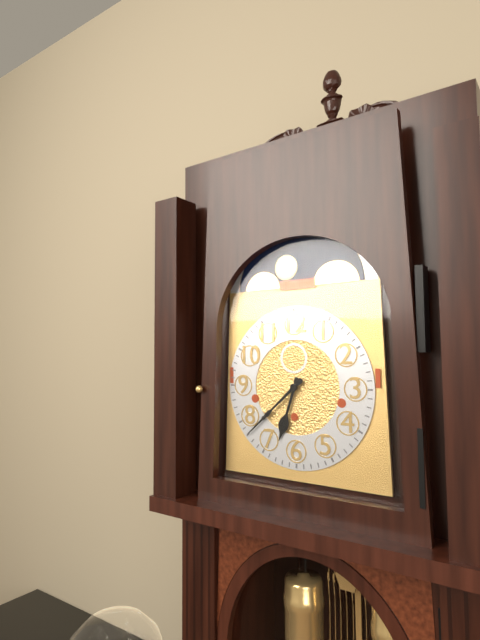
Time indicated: 6:38
